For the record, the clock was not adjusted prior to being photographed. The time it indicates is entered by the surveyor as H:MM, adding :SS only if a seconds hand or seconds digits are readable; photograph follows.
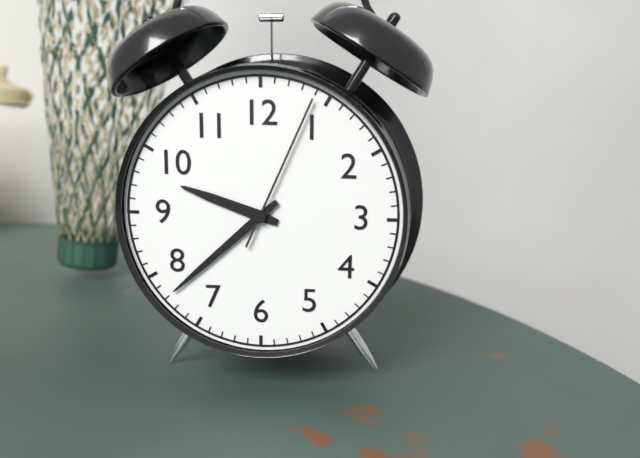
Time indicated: 9:38:04
